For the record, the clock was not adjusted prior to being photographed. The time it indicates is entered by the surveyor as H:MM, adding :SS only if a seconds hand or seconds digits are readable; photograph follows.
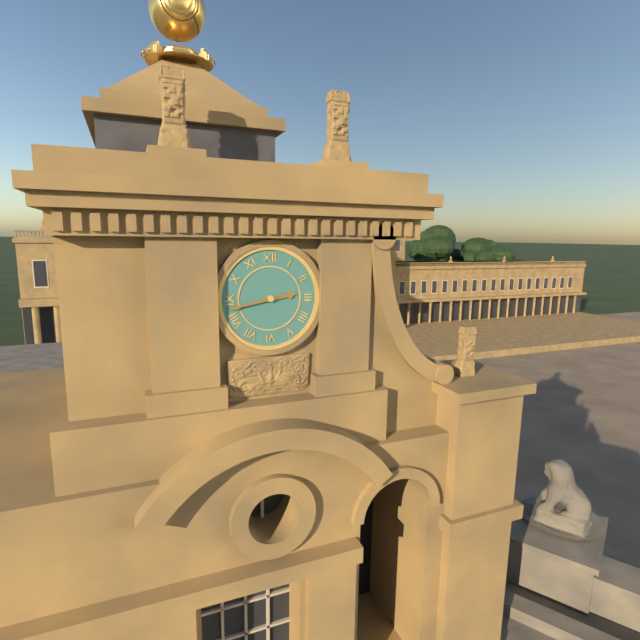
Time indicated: 2:43
